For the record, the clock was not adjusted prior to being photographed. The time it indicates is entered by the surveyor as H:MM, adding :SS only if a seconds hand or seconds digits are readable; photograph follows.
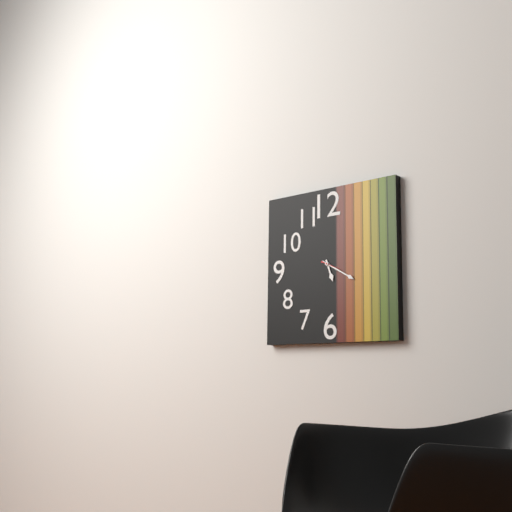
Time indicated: 5:20
